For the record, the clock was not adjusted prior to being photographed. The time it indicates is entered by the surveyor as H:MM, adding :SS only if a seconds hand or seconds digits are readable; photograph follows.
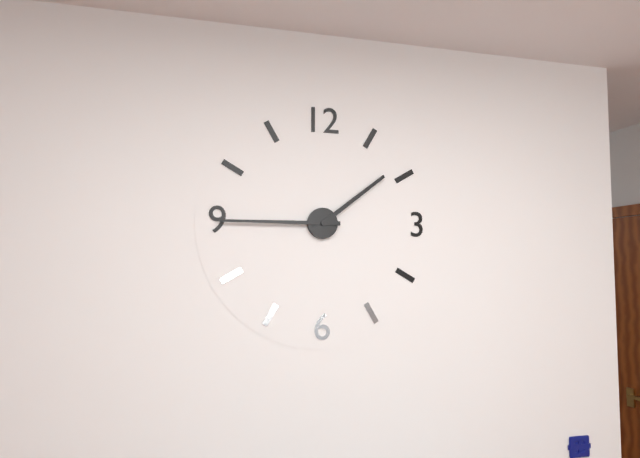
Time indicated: 1:45
